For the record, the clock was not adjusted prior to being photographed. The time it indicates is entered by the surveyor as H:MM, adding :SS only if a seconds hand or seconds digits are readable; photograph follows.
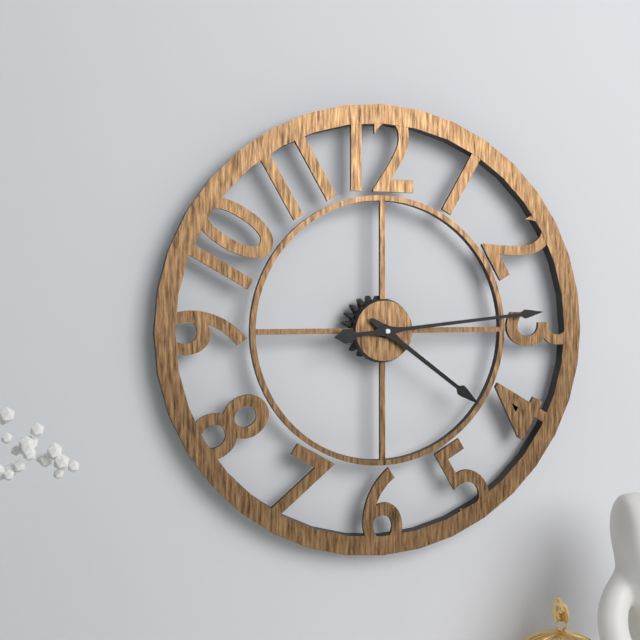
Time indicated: 4:14
